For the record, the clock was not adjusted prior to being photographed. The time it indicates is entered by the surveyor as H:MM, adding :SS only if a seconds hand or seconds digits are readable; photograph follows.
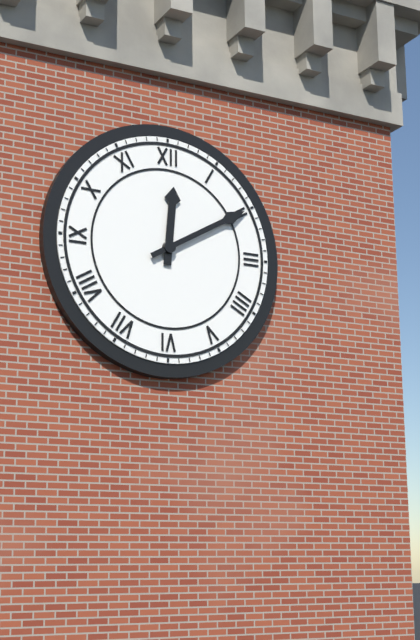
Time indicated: 12:10
